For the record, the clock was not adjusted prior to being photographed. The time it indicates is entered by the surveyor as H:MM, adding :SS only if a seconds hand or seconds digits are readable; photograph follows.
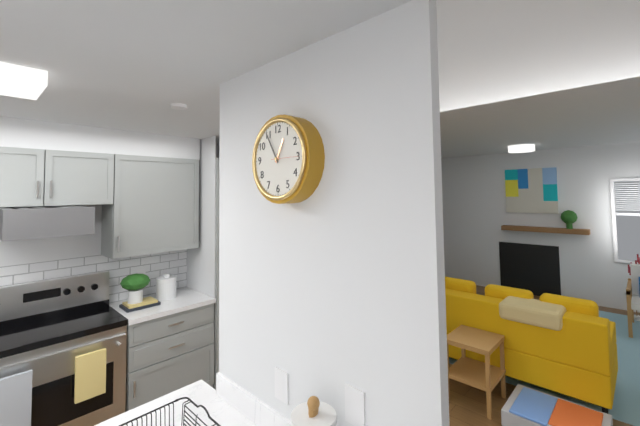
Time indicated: 12:55
